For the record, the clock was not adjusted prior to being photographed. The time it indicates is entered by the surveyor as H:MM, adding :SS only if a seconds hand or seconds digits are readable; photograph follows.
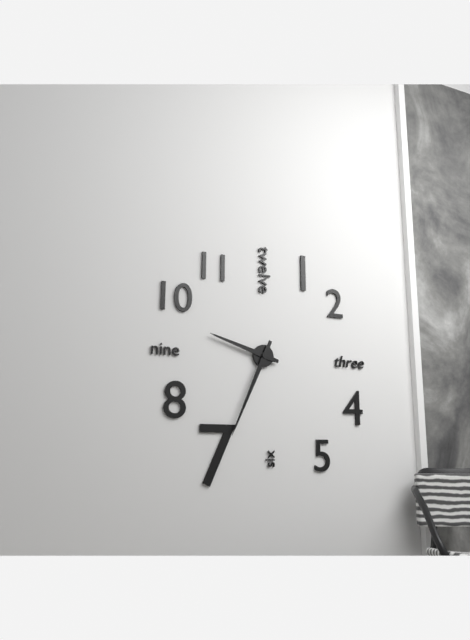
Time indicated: 9:34
